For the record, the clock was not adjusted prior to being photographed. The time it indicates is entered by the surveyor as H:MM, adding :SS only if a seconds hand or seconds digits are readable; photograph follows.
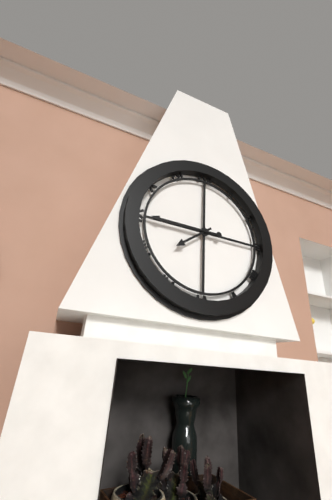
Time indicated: 7:45
